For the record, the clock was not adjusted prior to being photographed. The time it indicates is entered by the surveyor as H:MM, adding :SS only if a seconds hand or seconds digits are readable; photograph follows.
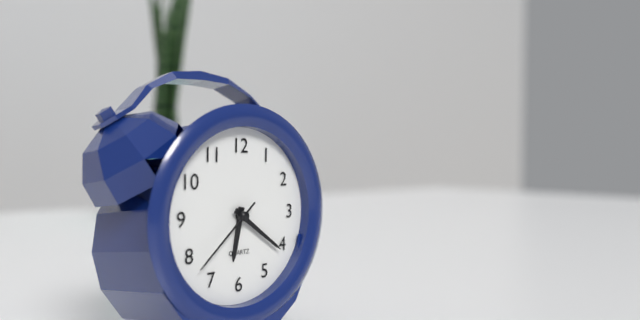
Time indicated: 6:21:38
